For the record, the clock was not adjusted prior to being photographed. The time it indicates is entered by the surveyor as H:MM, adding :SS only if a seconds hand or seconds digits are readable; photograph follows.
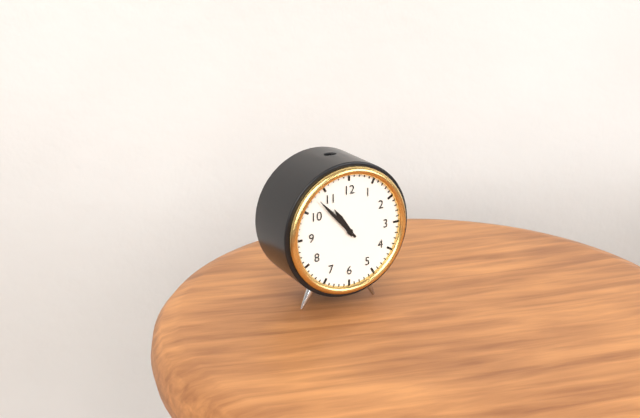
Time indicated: 10:53
